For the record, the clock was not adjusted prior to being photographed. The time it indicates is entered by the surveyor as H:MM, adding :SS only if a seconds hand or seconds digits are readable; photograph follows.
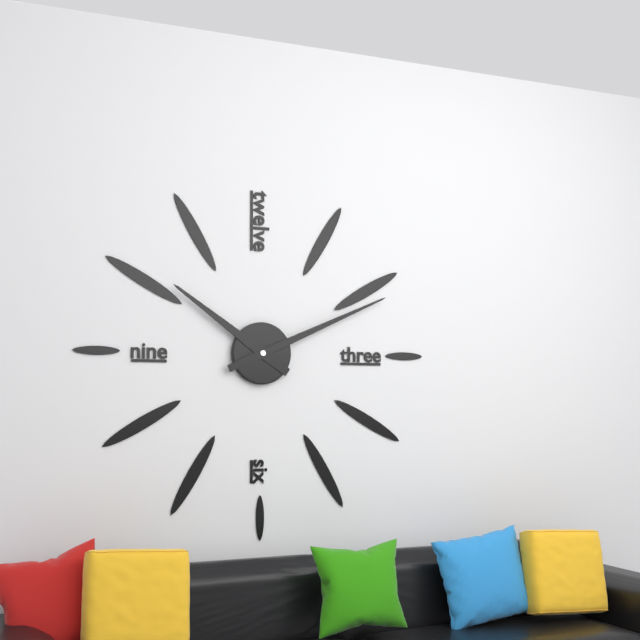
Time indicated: 10:11
